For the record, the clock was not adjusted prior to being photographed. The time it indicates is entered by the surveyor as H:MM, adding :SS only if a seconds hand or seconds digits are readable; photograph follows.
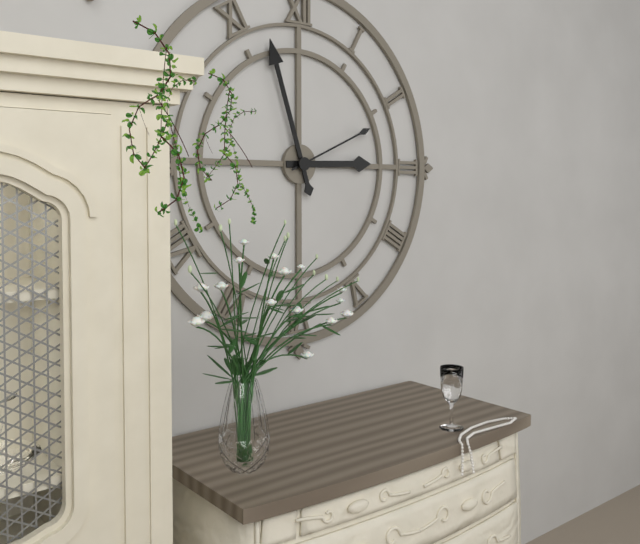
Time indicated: 2:57:11
